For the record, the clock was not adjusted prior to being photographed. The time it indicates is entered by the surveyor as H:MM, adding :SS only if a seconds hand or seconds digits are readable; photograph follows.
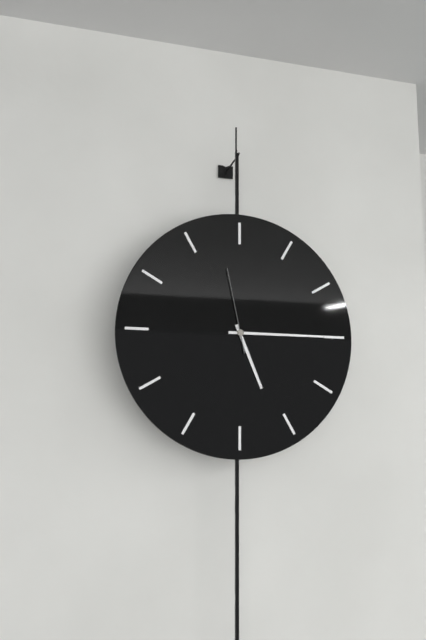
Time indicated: 5:15:58
